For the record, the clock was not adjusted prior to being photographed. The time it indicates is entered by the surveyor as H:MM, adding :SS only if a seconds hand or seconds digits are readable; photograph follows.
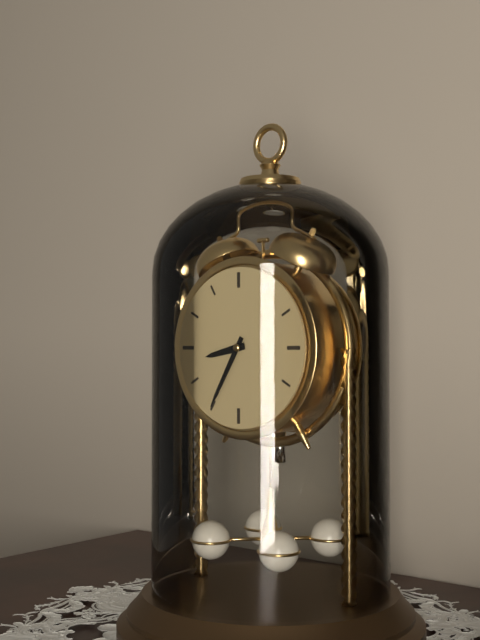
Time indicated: 8:35
